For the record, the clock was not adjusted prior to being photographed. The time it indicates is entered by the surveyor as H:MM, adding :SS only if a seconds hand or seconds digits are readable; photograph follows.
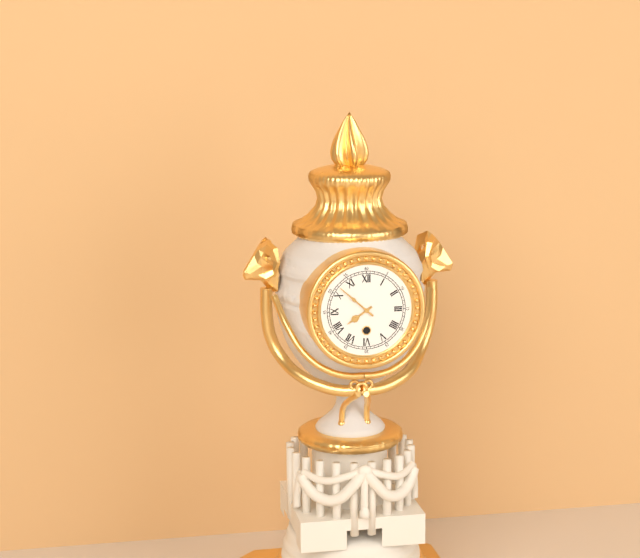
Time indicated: 7:52
